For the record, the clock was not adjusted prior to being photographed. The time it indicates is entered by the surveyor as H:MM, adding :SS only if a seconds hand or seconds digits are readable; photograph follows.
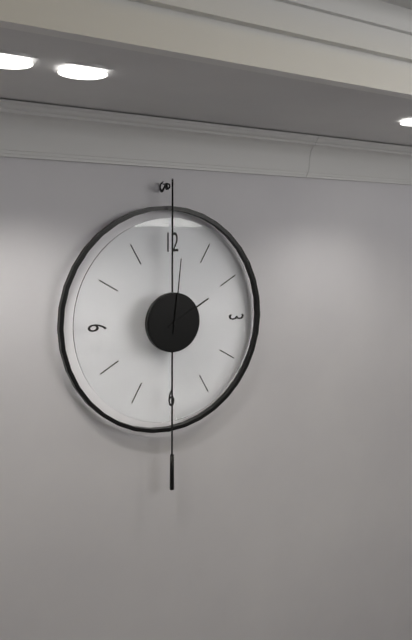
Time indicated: 2:01
